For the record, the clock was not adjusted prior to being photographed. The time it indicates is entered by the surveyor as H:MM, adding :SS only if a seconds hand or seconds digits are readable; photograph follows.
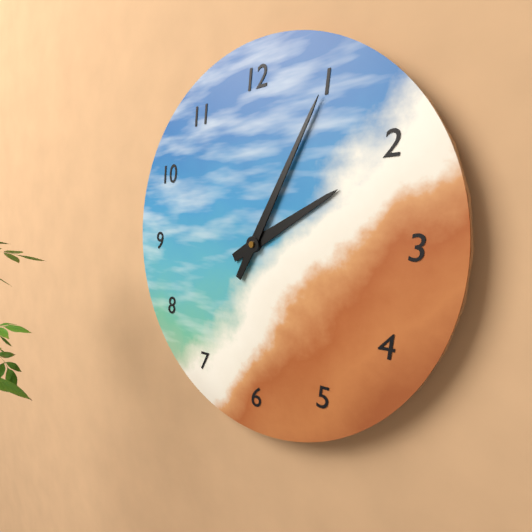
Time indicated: 2:05
